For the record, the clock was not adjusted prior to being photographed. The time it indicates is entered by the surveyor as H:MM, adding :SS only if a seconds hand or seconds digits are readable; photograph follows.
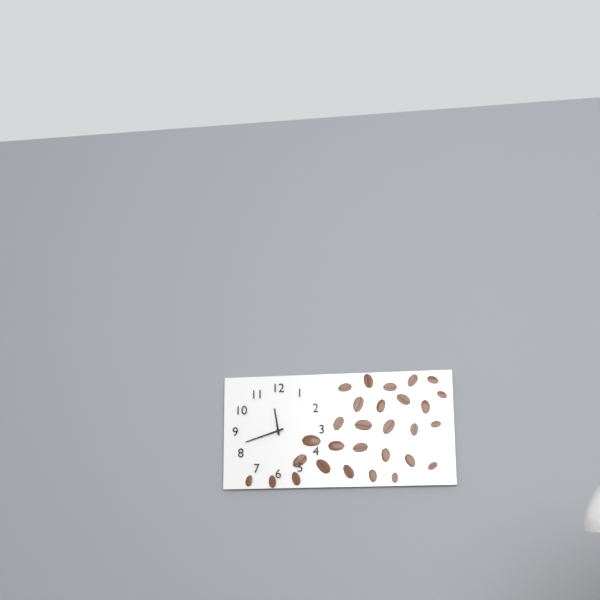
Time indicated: 11:42
